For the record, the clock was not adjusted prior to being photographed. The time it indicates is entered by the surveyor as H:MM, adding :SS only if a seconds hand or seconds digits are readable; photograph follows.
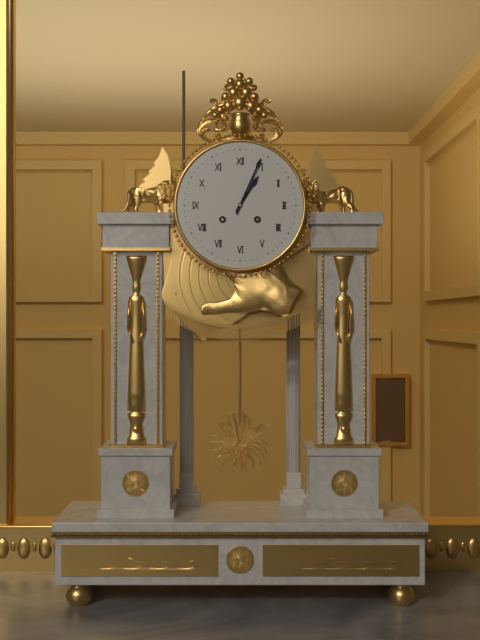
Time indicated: 1:04
